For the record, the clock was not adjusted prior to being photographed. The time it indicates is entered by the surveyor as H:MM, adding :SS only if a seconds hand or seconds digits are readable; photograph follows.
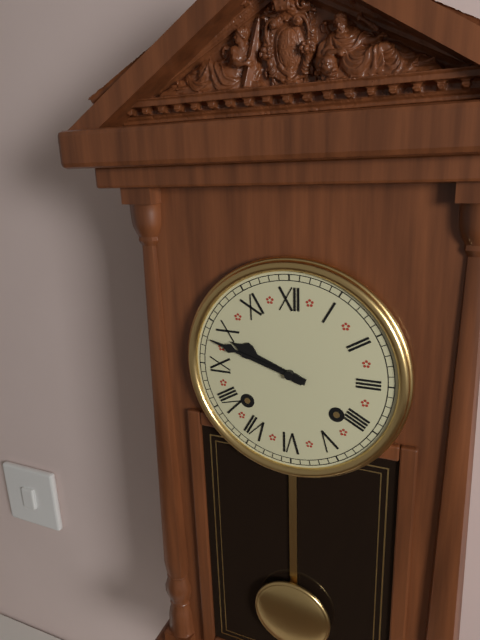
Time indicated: 9:48
